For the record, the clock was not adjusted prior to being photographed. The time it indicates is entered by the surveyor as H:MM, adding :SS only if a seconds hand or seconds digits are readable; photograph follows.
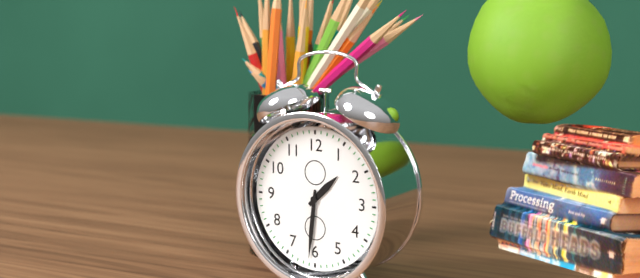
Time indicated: 1:31
